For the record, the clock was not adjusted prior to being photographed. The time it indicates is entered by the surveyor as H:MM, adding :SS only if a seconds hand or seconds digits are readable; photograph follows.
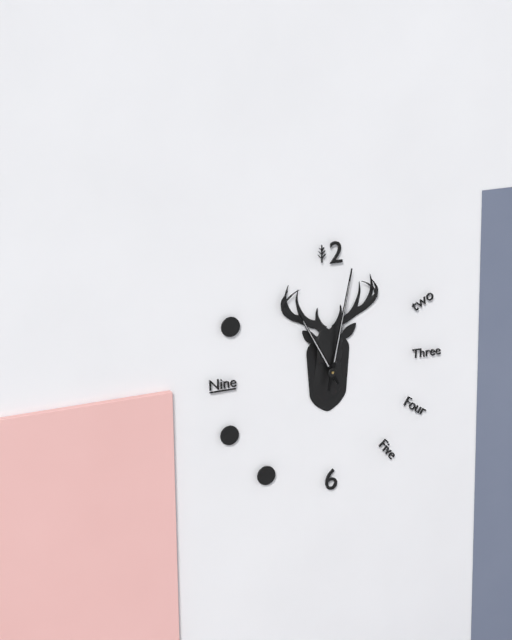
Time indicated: 11:02
